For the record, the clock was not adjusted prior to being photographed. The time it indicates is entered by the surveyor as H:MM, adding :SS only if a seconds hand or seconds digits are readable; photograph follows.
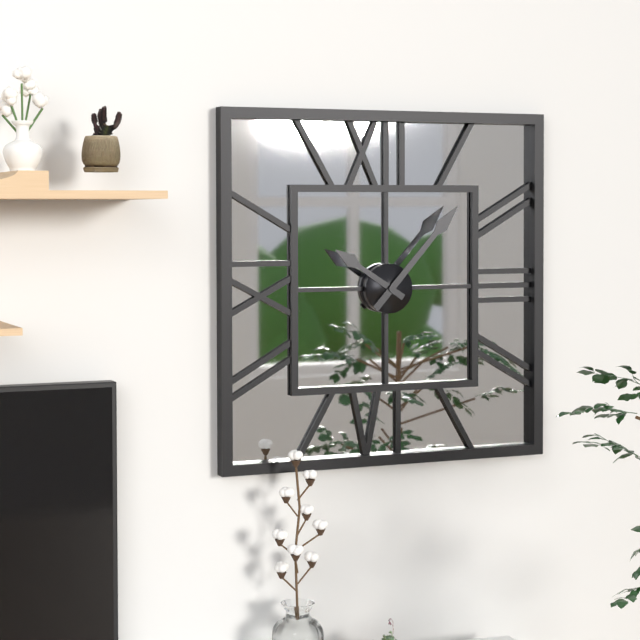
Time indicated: 10:07
